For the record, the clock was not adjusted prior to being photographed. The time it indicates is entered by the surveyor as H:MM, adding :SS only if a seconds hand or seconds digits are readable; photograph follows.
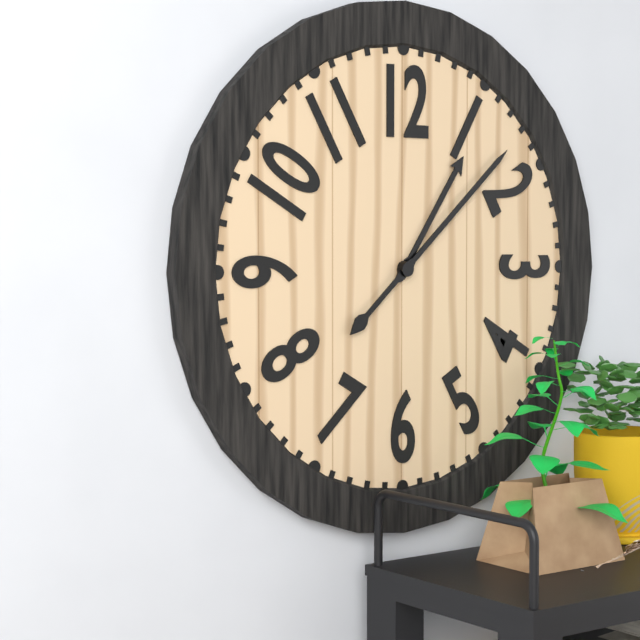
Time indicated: 1:08
